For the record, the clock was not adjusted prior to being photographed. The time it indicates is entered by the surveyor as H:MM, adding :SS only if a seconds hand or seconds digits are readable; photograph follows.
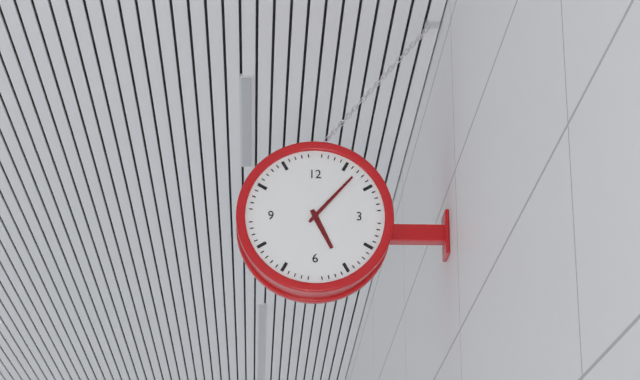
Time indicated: 5:07
